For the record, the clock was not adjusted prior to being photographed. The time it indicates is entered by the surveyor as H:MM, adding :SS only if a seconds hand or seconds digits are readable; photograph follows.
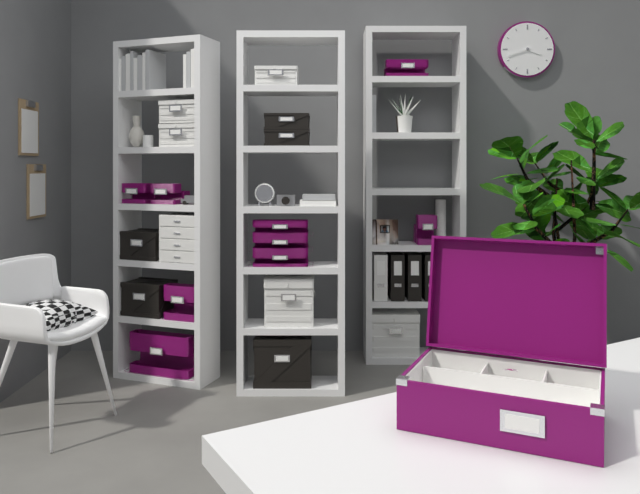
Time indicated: 3:42
